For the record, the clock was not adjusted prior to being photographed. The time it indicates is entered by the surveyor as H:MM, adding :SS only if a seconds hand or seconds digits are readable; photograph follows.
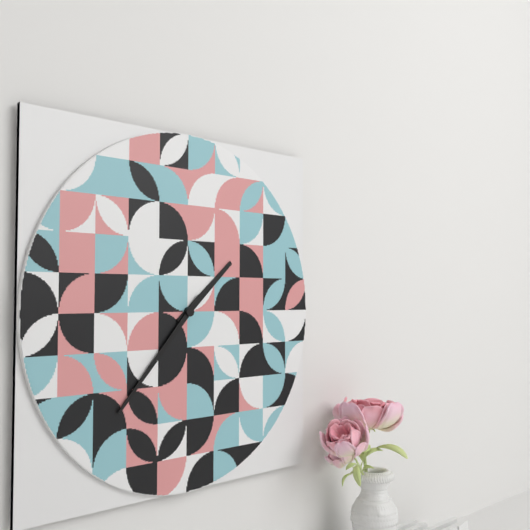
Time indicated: 1:37
